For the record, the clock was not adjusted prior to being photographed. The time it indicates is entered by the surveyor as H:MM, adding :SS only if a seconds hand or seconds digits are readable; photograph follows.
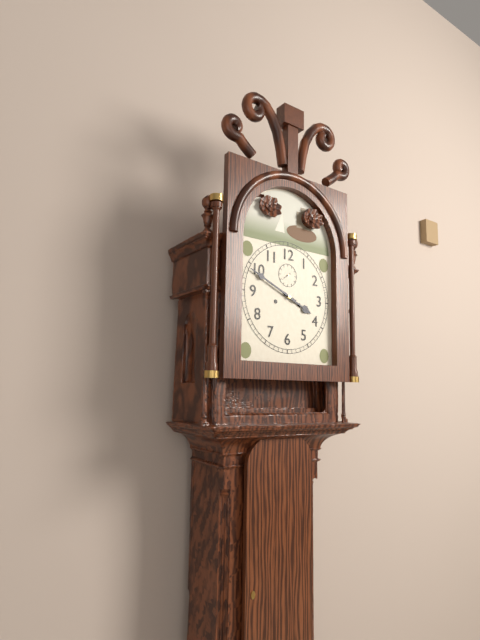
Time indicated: 3:49
